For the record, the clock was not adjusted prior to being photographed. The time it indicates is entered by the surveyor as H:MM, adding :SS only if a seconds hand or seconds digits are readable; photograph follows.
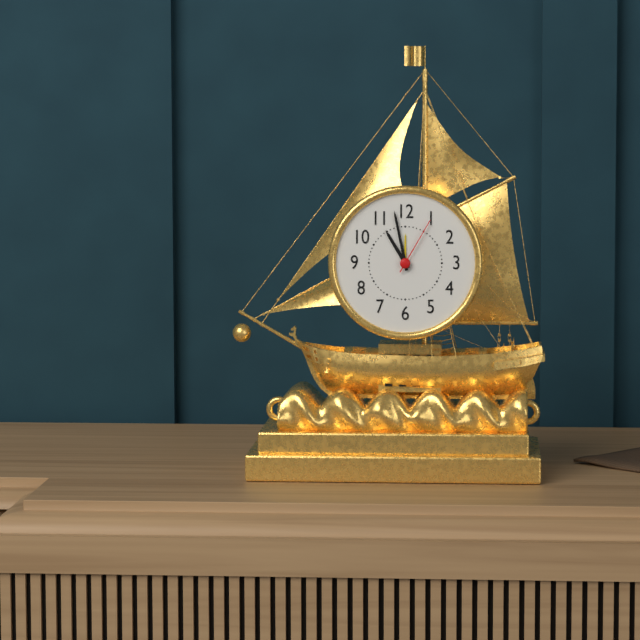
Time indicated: 10:58:05
